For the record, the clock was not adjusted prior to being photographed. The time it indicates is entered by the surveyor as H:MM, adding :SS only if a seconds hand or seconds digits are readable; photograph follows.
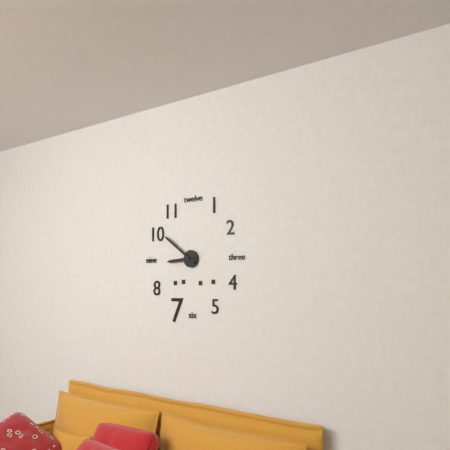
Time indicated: 8:51
